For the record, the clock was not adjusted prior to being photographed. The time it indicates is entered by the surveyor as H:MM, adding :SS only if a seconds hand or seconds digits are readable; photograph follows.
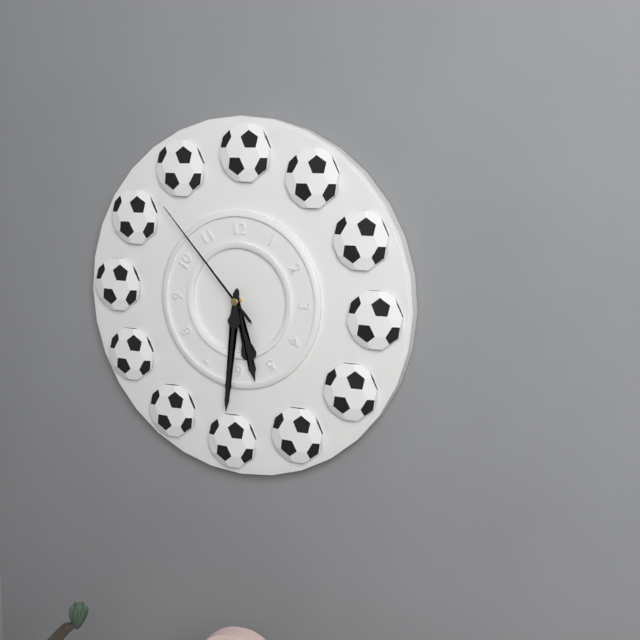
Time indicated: 5:31:53
